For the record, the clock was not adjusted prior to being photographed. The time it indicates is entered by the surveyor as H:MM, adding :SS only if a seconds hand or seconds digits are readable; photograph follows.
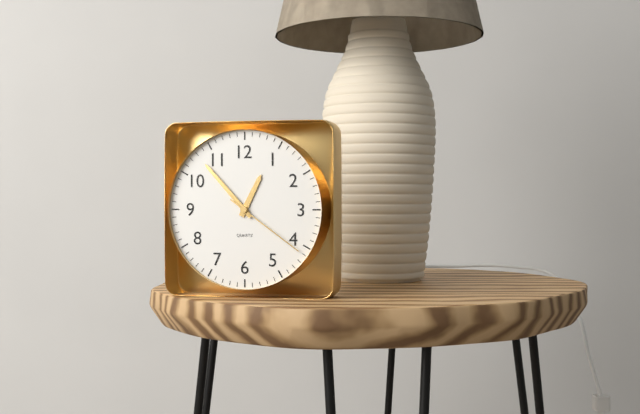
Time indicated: 12:53:21
